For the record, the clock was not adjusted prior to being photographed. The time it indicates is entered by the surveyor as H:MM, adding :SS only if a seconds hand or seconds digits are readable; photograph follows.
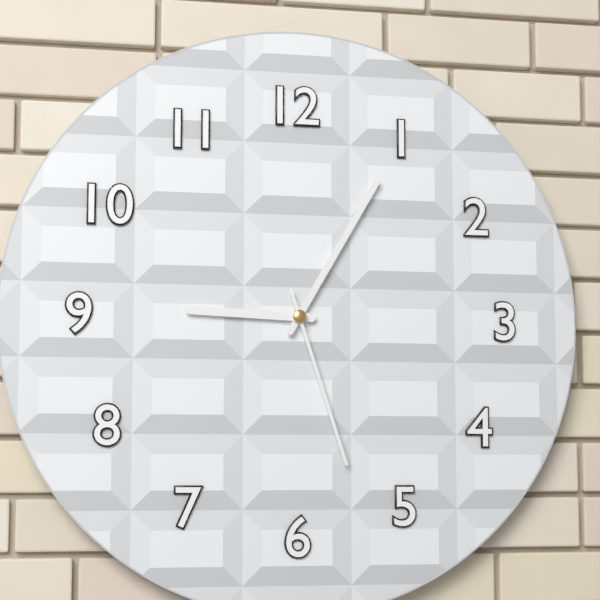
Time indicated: 9:05:27
